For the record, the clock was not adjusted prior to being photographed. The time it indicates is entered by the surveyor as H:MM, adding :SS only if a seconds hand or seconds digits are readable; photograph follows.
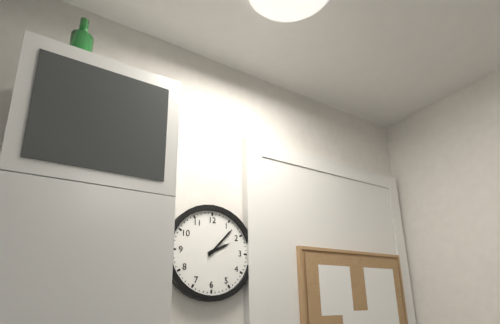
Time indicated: 2:07
